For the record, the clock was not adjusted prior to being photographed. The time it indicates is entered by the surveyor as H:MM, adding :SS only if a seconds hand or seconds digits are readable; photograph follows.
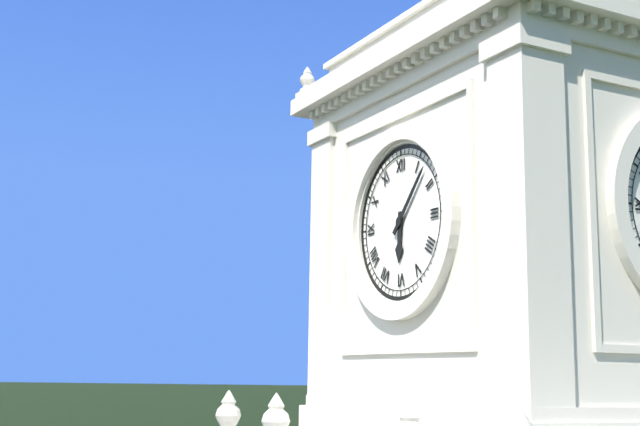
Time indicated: 6:07
